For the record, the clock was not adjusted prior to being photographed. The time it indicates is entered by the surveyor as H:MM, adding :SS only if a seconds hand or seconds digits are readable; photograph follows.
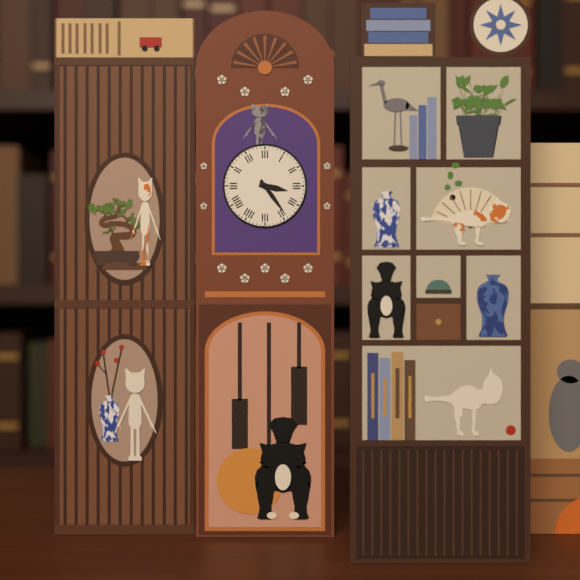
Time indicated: 3:24
